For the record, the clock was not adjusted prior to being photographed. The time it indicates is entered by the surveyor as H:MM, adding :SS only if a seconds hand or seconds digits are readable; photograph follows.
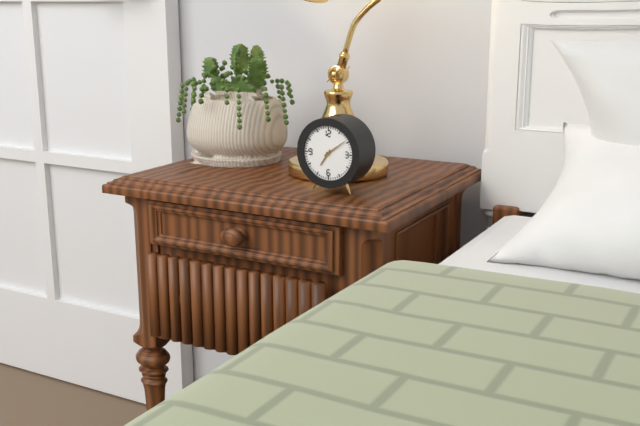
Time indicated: 7:09
